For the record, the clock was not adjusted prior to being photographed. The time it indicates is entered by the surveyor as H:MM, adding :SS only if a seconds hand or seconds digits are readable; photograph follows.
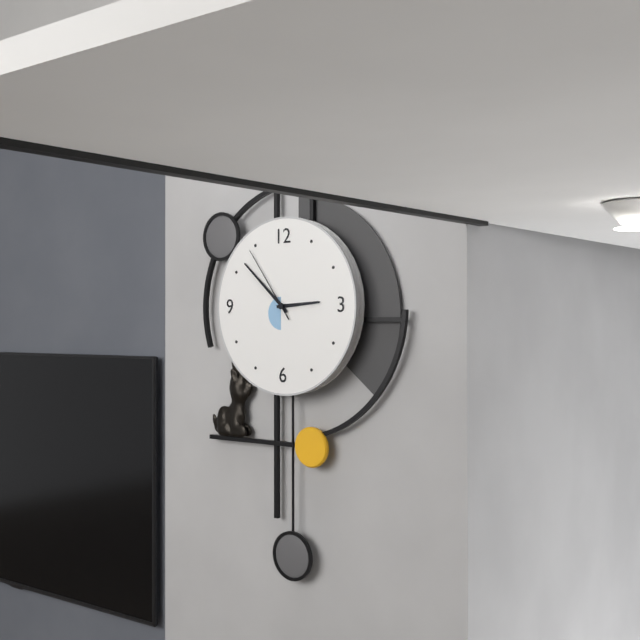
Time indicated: 2:52:54
